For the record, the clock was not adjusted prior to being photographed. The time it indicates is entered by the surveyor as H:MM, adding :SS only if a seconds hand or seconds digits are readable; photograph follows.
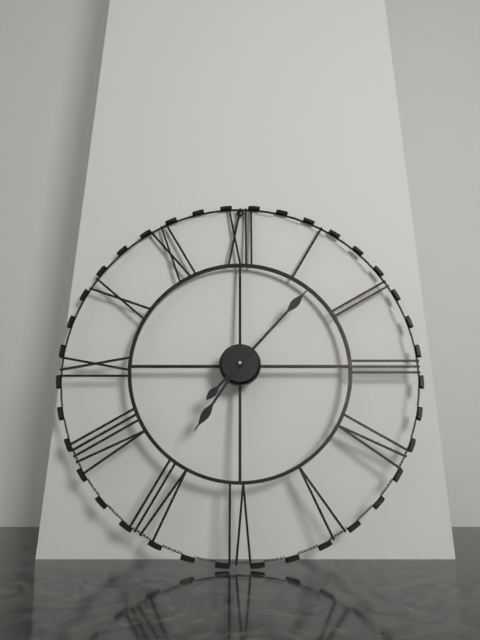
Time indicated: 7:07
